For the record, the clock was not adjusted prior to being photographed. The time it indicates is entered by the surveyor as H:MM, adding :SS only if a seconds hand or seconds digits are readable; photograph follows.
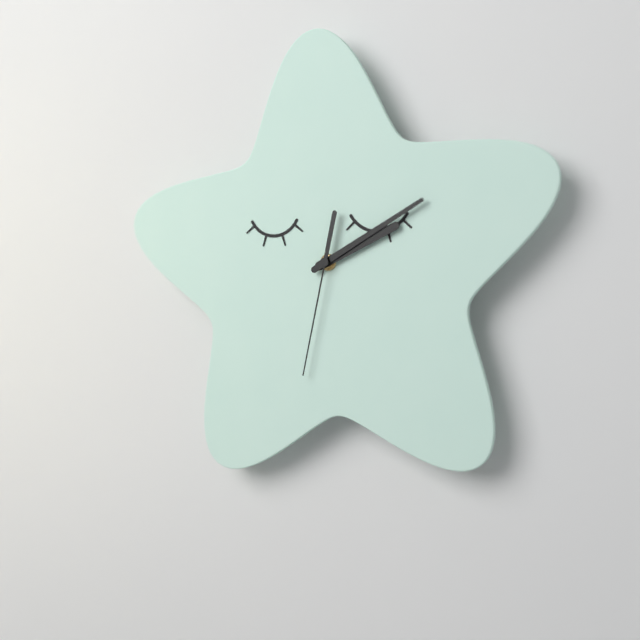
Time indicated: 2:10:32
